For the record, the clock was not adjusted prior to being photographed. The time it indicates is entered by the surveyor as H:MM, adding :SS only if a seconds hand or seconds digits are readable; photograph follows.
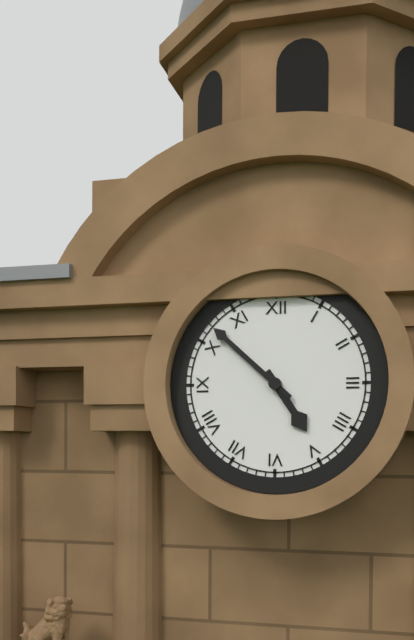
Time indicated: 4:52
